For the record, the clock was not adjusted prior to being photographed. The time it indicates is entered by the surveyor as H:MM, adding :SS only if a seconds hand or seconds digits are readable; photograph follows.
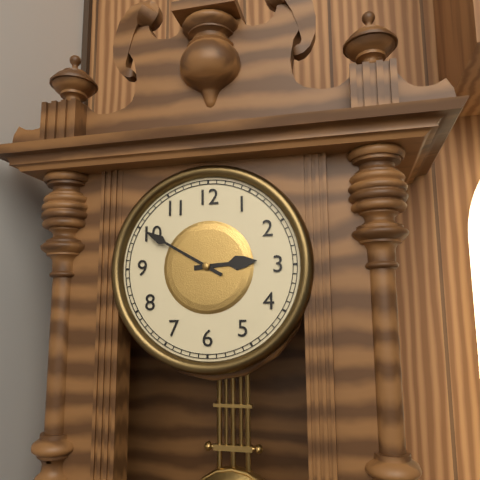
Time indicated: 2:50
